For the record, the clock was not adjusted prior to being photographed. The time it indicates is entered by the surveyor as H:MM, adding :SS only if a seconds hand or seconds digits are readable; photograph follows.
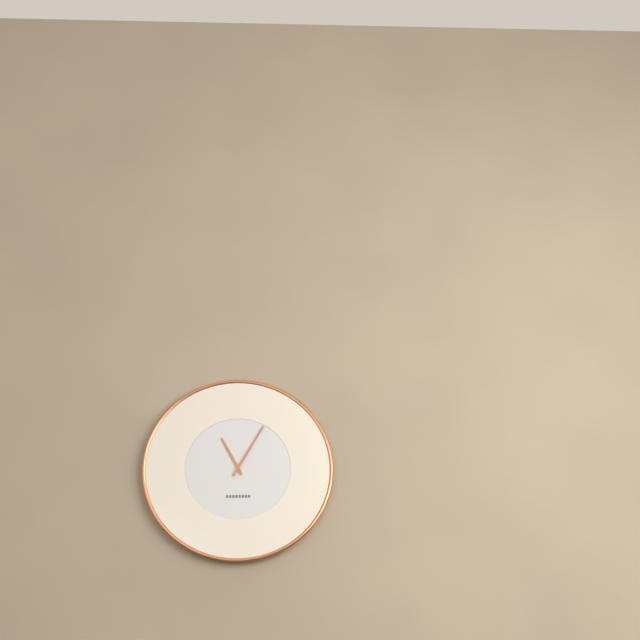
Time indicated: 11:05
